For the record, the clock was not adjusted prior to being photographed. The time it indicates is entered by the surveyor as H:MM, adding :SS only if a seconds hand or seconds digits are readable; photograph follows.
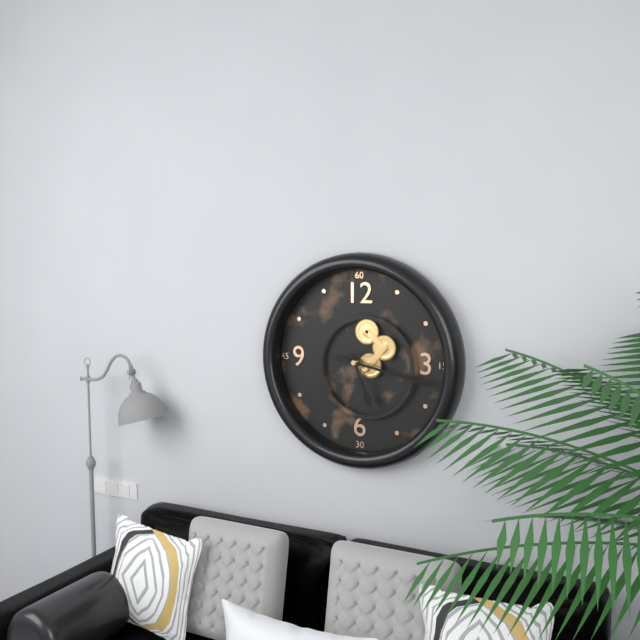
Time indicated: 5:17
